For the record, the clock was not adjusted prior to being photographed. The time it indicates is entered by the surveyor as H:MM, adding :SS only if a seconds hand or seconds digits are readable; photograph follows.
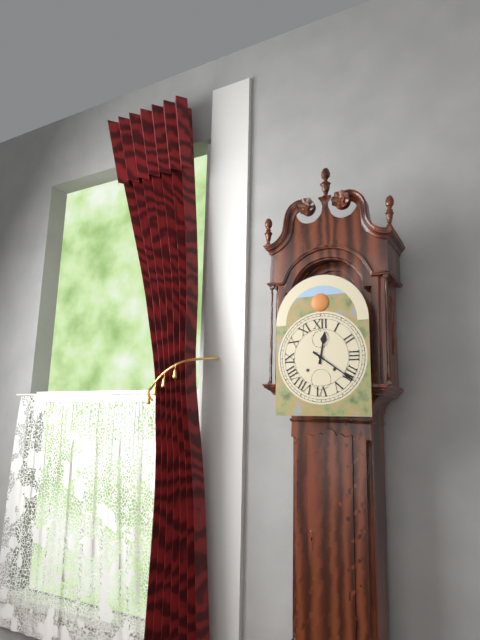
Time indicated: 12:21
